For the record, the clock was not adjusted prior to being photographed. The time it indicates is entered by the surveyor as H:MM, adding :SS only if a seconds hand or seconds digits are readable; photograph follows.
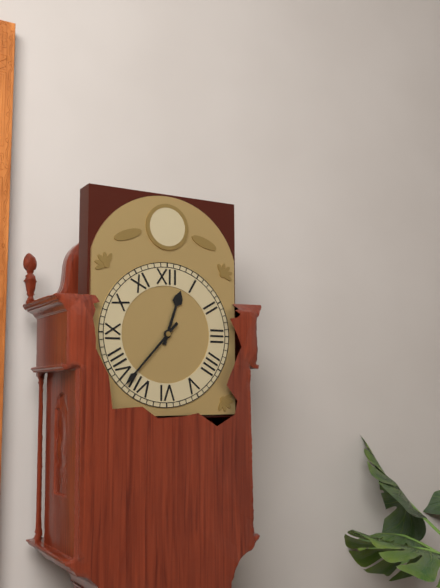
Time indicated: 12:37
